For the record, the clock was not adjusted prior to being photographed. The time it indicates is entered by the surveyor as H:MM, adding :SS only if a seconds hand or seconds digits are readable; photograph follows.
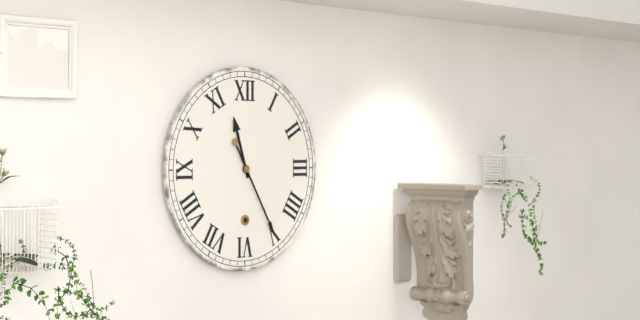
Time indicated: 11:25
